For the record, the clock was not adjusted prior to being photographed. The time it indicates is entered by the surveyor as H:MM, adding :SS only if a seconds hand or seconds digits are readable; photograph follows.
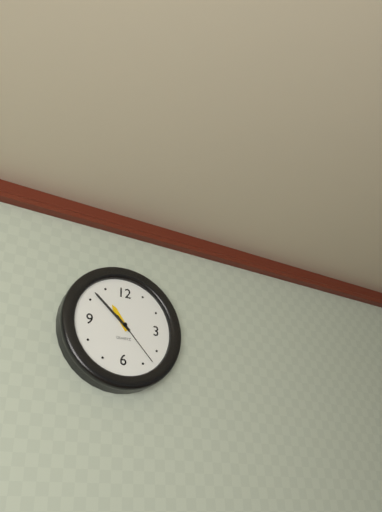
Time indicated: 10:52:23
